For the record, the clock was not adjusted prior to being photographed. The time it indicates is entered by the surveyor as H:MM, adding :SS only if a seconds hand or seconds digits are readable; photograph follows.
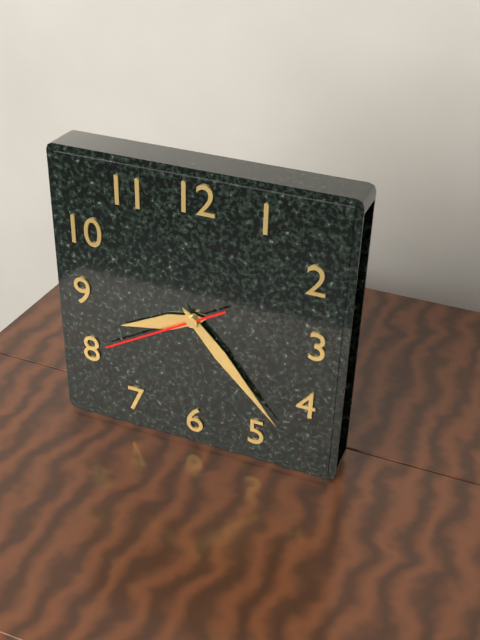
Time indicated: 8:23:40
